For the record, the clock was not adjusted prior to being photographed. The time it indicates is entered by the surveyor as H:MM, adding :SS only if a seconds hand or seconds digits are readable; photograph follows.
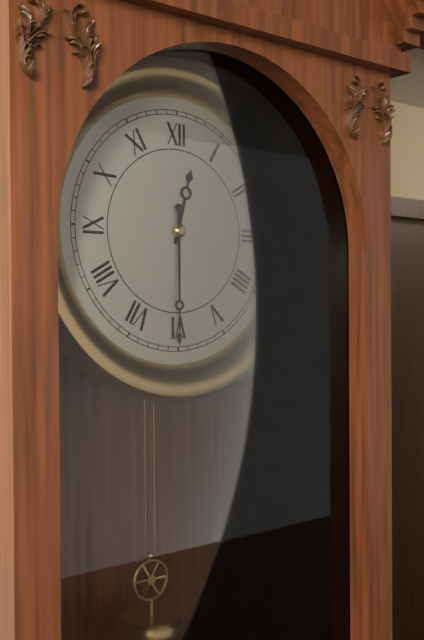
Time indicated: 12:30
